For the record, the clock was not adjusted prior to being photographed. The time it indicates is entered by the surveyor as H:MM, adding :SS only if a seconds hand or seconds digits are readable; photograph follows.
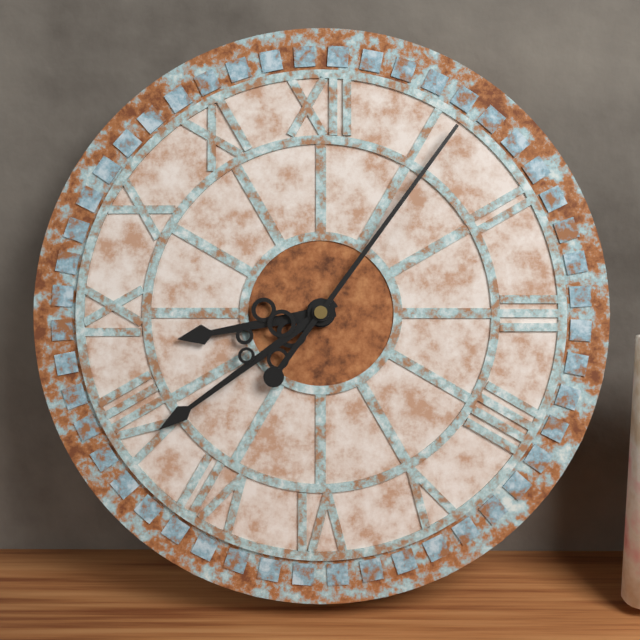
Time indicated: 8:39:06
